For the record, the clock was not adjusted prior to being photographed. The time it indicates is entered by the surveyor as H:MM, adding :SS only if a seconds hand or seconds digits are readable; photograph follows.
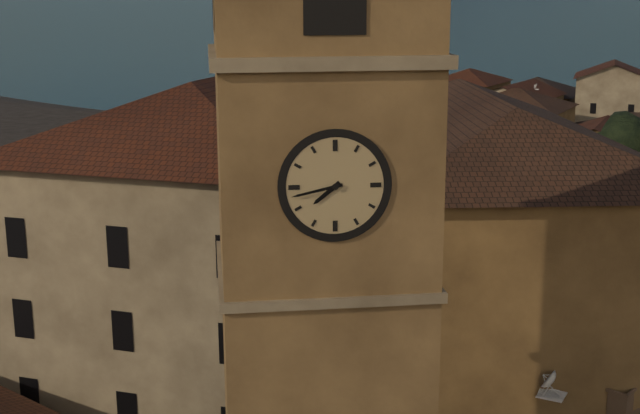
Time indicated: 7:43
